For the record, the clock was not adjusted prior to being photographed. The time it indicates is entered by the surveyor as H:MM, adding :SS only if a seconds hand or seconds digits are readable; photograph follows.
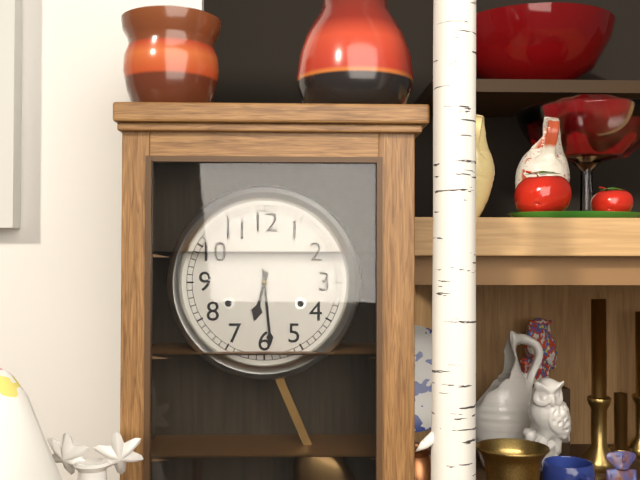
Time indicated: 6:29
